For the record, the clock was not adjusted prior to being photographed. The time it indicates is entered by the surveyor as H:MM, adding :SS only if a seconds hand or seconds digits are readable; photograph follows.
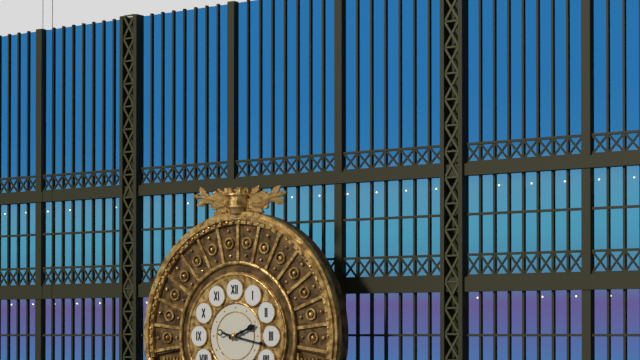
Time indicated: 2:17
